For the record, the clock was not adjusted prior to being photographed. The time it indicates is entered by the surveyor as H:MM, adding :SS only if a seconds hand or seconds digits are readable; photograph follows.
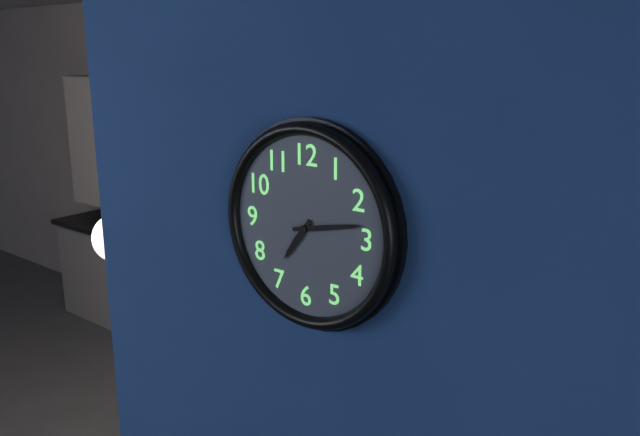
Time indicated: 7:13
